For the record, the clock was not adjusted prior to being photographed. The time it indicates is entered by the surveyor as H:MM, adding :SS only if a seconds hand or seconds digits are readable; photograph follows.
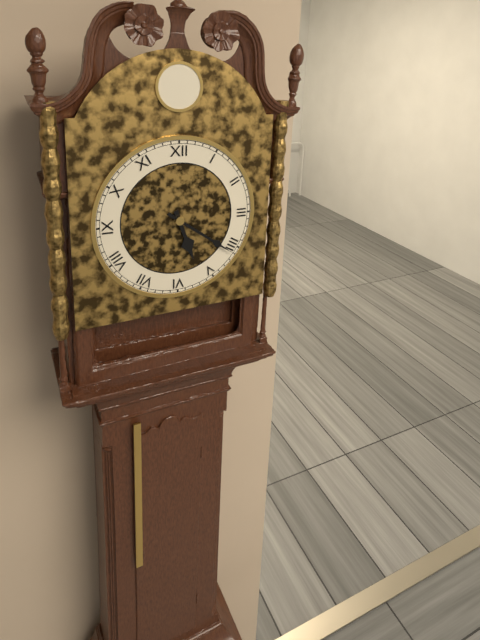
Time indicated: 5:21
